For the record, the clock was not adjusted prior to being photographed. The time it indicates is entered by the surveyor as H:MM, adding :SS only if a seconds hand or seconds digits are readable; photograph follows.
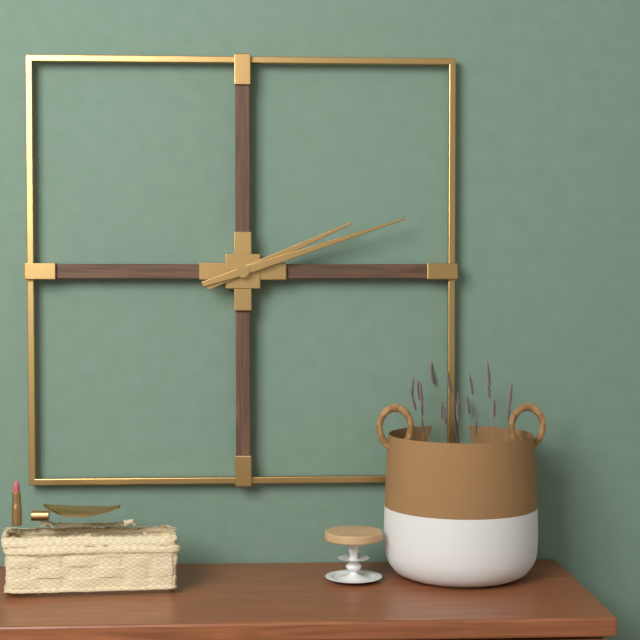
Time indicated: 2:12
